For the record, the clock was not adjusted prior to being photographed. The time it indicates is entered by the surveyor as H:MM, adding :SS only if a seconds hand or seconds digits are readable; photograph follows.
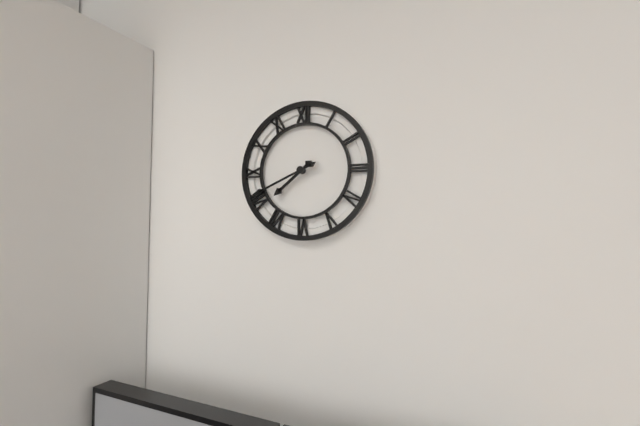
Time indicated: 7:41
